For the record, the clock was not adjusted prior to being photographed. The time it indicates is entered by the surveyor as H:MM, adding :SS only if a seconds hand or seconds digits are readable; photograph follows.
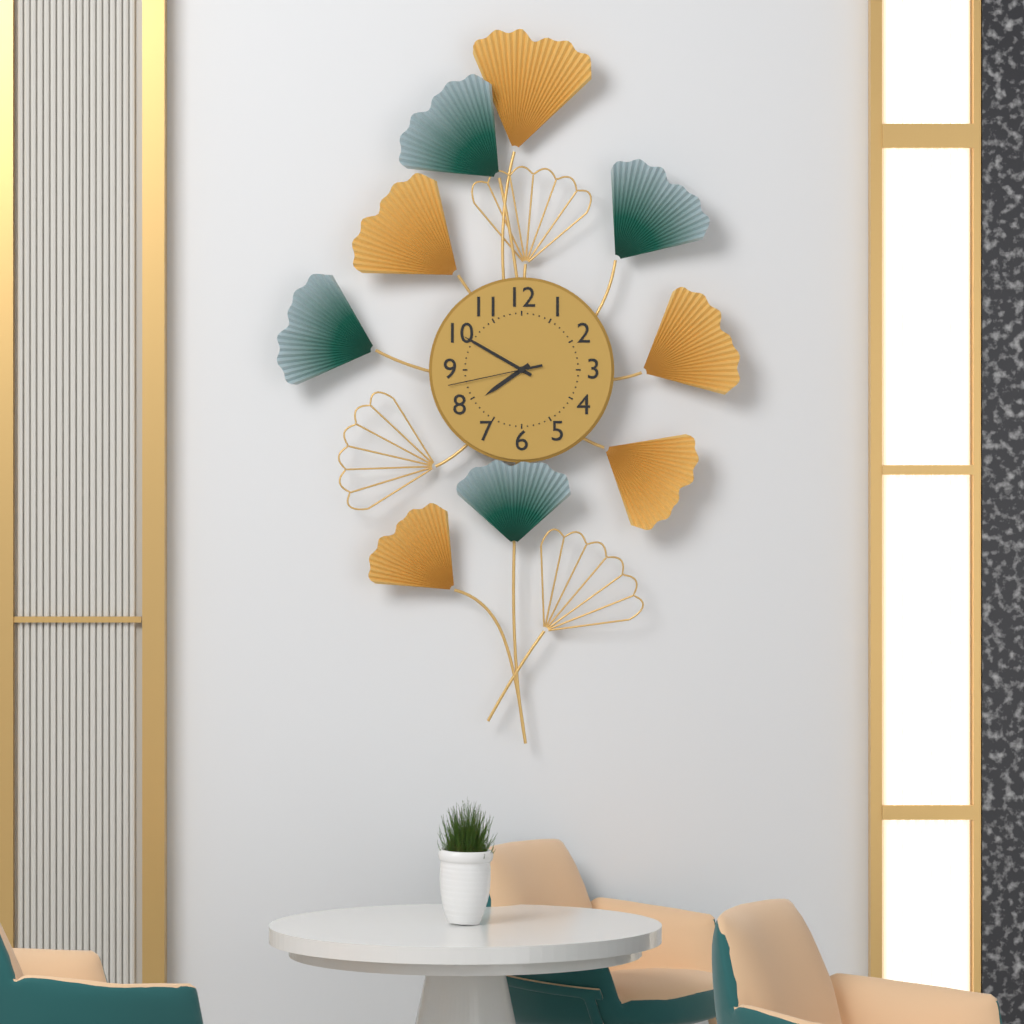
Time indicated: 7:50:43
